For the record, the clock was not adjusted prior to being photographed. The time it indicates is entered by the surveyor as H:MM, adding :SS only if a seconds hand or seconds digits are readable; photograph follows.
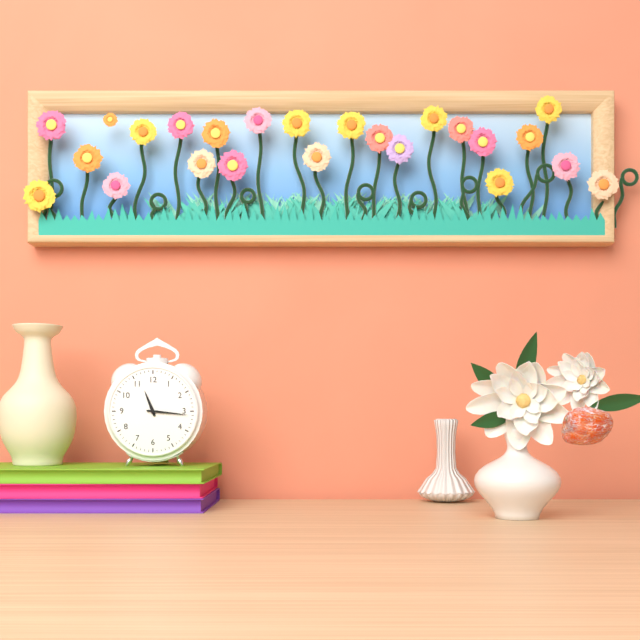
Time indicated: 11:16
